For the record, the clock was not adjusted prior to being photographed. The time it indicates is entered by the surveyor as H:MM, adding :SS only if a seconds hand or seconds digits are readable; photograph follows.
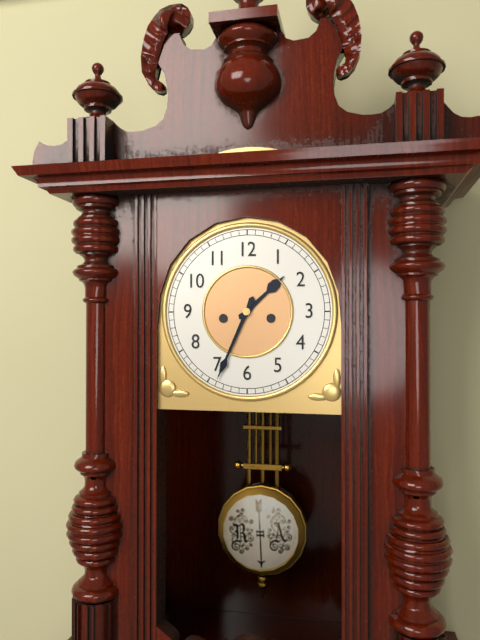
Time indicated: 1:34
